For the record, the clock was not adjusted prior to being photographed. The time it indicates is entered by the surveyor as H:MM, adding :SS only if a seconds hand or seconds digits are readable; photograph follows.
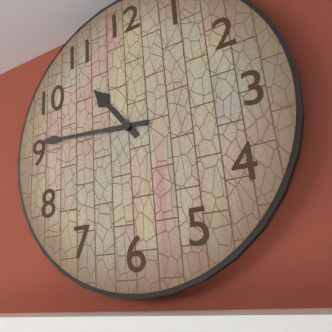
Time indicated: 10:46
